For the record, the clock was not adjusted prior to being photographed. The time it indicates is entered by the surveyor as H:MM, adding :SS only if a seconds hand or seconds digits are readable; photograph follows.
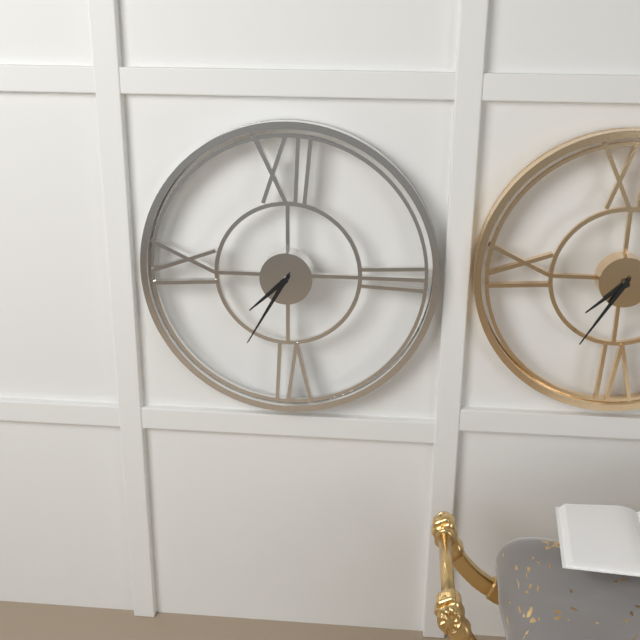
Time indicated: 7:35
